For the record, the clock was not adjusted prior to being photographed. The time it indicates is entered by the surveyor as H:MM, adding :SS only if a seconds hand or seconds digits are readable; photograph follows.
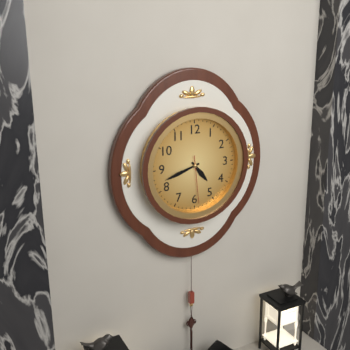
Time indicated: 4:42
